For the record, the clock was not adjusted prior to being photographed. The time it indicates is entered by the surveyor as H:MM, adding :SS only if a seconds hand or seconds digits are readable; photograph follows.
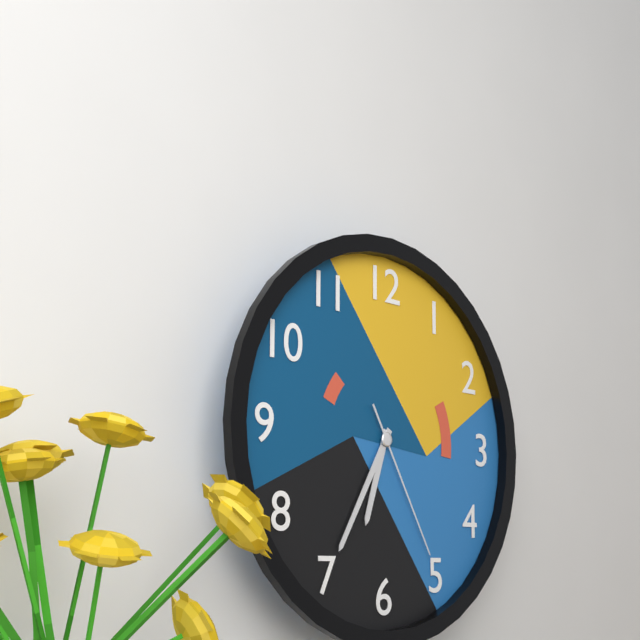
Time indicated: 6:35:25
